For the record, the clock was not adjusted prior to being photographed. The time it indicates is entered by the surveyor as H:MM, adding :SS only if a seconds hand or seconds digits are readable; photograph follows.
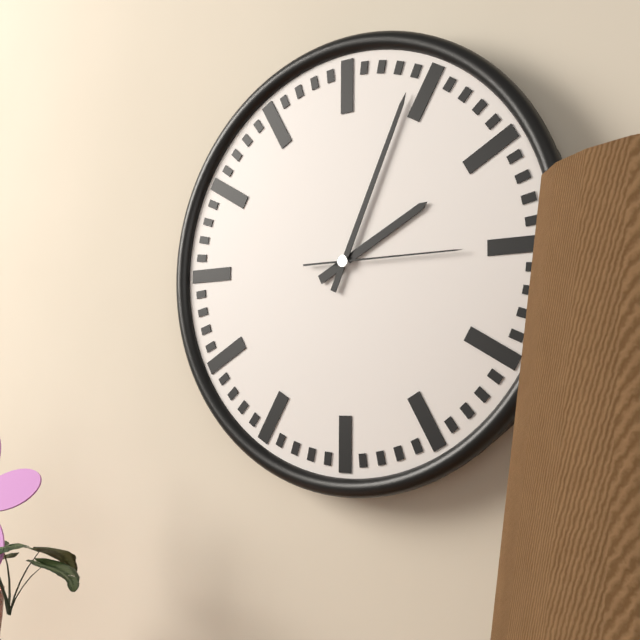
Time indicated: 2:04:15
